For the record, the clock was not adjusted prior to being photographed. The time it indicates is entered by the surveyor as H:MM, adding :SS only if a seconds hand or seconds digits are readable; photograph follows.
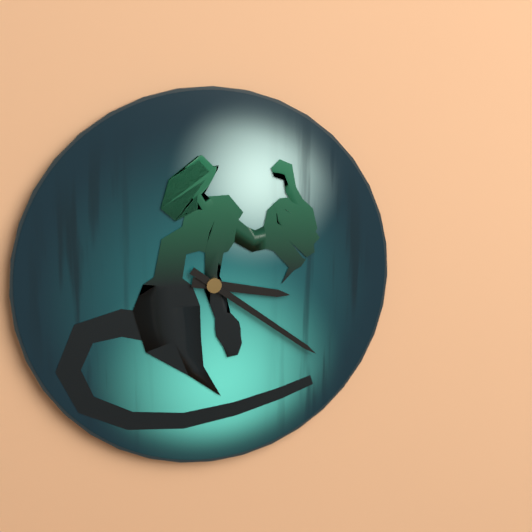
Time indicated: 3:21
